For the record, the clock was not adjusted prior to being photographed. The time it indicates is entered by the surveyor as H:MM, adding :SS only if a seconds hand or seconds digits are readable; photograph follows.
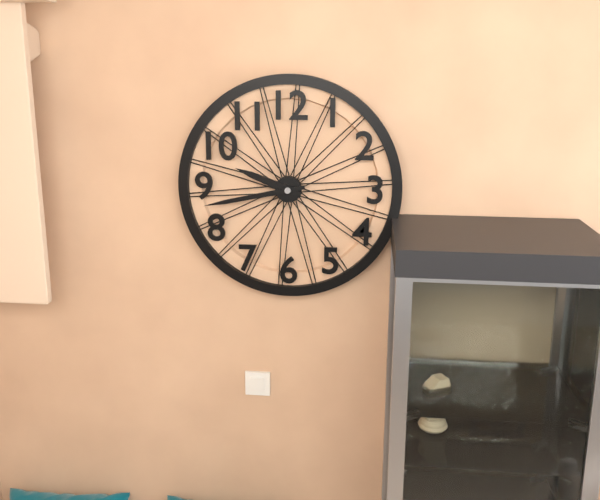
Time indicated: 9:43
